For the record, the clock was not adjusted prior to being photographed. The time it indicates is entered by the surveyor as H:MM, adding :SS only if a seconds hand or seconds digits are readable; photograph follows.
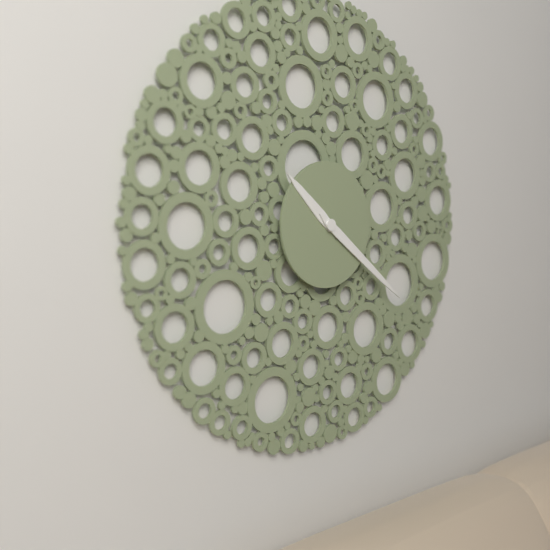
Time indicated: 10:21
